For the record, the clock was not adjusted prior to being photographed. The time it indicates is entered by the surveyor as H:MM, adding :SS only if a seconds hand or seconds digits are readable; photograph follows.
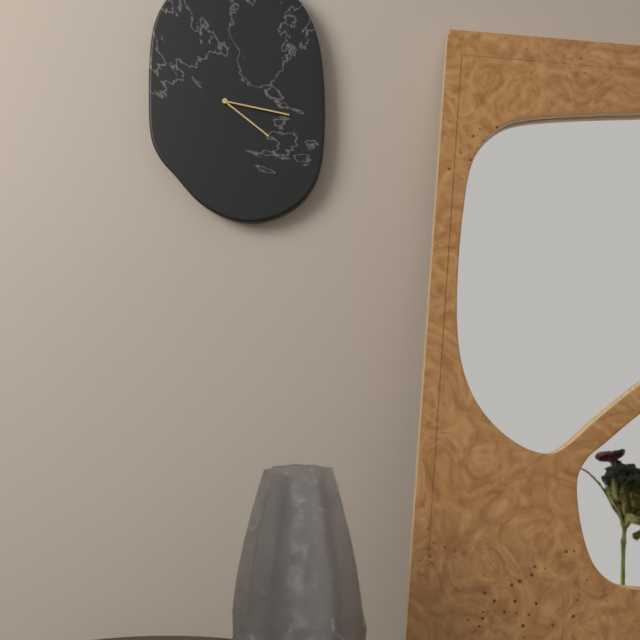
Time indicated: 4:17
